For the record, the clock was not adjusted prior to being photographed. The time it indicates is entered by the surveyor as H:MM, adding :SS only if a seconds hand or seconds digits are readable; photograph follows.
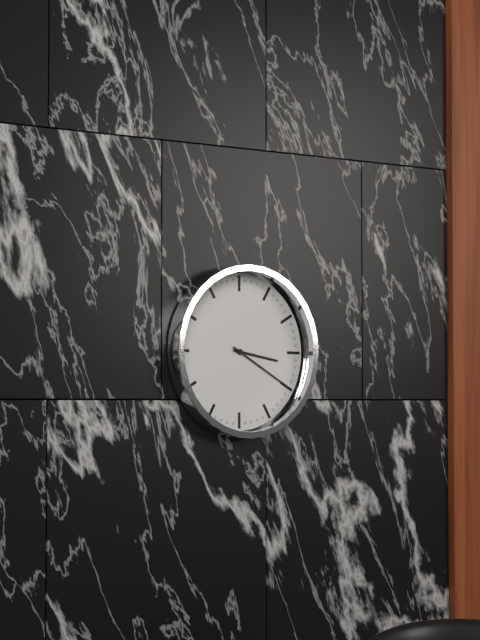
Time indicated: 3:20
